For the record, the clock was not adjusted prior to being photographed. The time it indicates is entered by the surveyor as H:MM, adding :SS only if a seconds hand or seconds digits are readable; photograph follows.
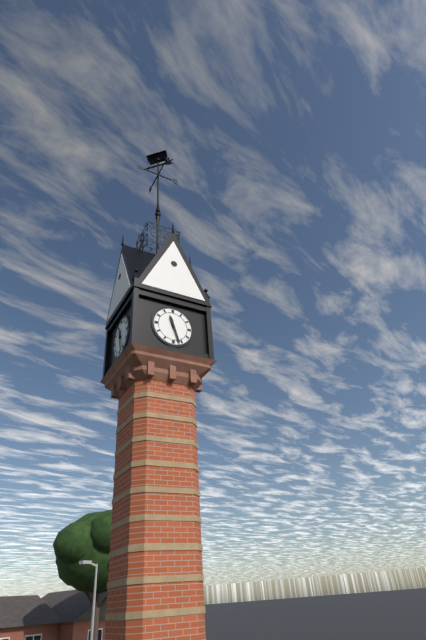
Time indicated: 11:27
